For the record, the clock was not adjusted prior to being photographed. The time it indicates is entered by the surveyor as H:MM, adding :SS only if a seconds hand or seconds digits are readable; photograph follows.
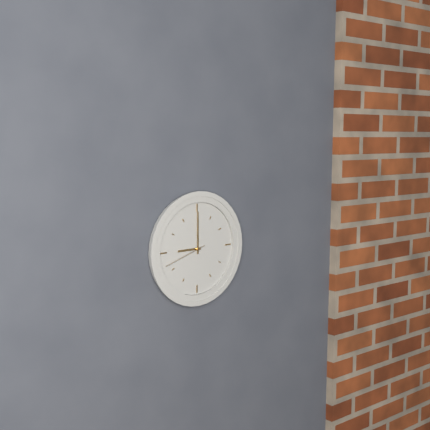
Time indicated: 9:00
